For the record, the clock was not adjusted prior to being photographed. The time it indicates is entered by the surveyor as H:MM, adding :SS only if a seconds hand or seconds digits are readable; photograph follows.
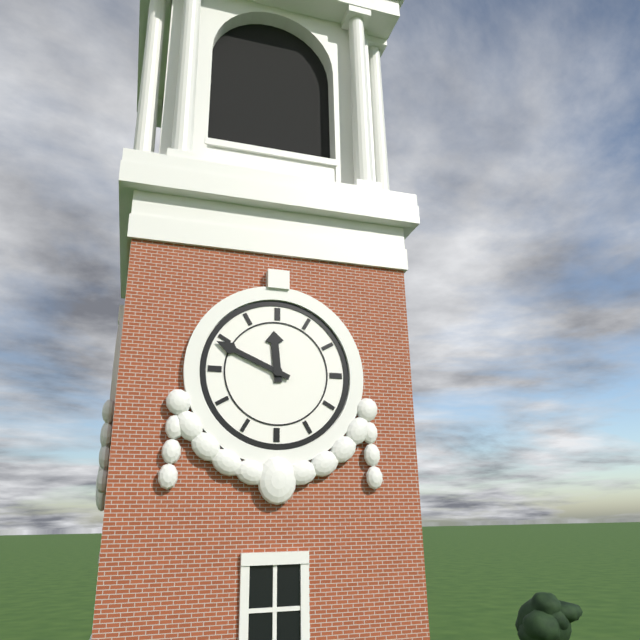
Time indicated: 11:49
